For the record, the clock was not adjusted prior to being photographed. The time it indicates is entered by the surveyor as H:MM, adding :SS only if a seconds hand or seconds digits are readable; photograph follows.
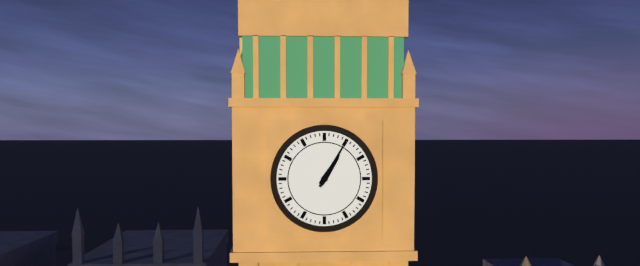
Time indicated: 1:05
